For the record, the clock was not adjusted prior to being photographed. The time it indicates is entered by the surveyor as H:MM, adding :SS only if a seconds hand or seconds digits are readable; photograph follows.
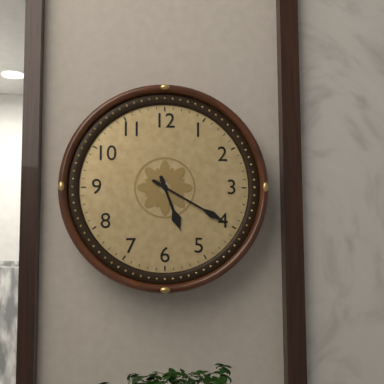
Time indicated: 5:20
